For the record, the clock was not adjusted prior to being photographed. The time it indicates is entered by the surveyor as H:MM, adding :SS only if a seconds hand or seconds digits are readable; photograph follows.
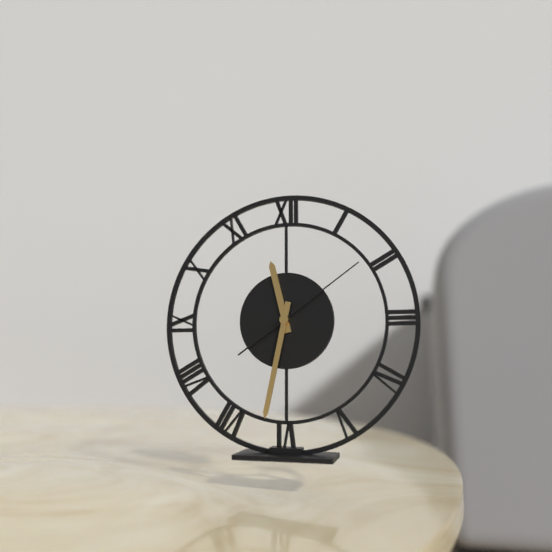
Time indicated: 11:32:09
